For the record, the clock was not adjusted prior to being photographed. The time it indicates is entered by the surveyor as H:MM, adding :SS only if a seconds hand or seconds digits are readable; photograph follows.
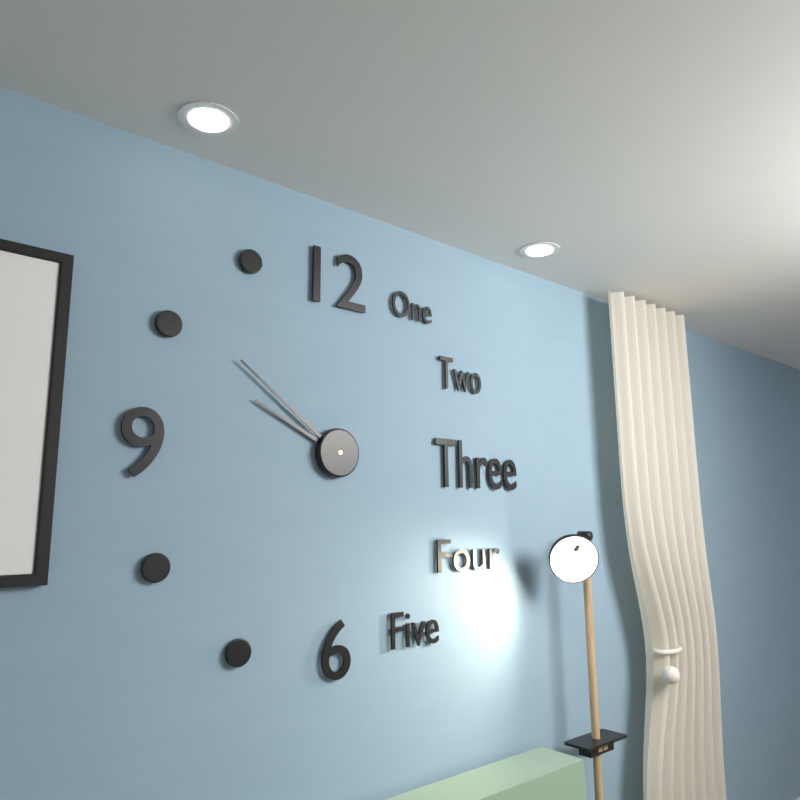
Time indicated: 9:51
